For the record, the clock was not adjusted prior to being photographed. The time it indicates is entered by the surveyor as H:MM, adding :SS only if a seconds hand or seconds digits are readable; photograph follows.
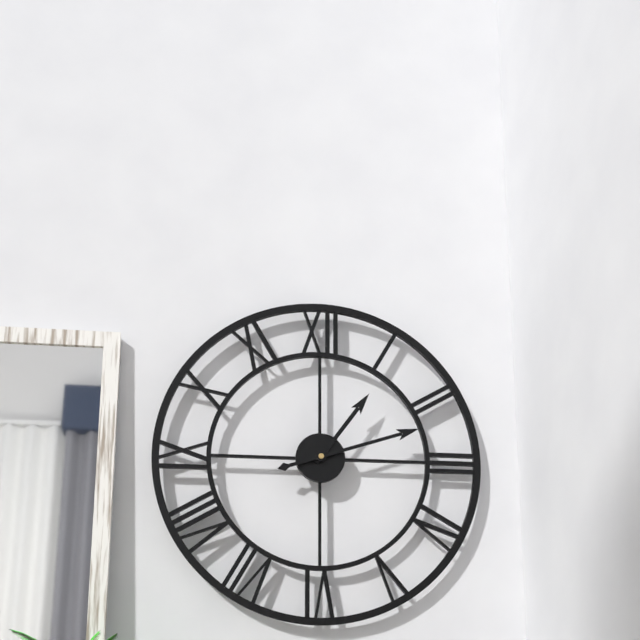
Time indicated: 1:12
